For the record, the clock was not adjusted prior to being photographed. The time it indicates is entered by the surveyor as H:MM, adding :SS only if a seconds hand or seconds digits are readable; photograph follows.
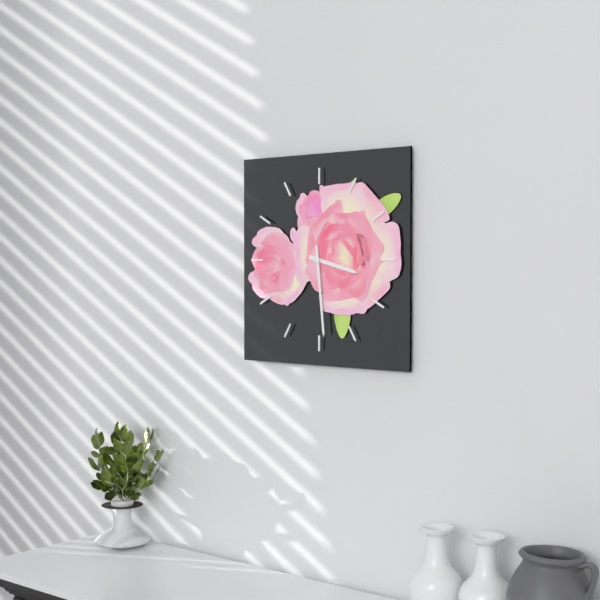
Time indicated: 3:29
